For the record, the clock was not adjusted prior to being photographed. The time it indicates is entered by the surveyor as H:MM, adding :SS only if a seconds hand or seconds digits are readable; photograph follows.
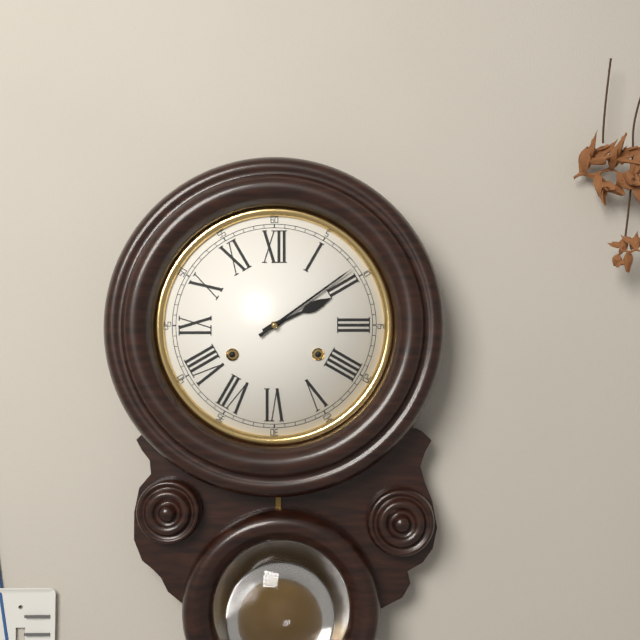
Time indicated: 2:09
